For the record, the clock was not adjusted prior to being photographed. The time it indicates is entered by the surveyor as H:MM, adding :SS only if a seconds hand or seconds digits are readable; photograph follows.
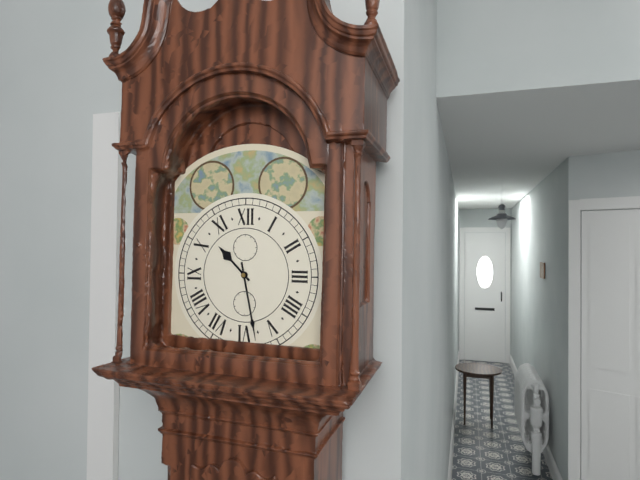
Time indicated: 10:28
